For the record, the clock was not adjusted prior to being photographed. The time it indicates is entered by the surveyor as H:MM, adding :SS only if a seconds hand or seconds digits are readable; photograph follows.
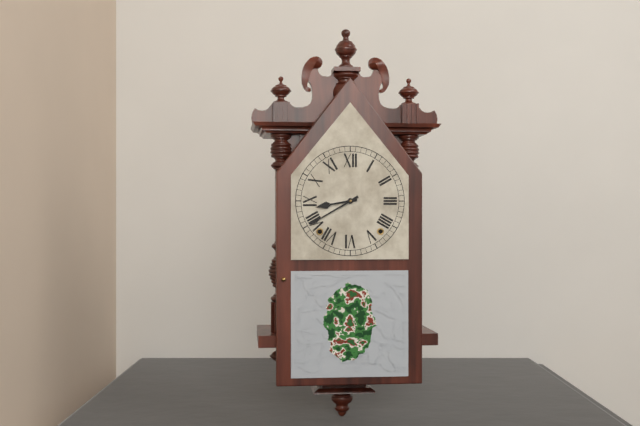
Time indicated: 8:40
